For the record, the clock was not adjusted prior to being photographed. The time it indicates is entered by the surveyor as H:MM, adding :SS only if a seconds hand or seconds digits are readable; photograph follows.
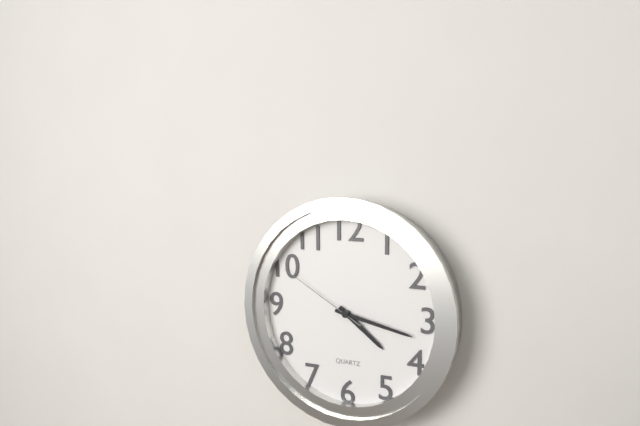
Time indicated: 4:17:50
